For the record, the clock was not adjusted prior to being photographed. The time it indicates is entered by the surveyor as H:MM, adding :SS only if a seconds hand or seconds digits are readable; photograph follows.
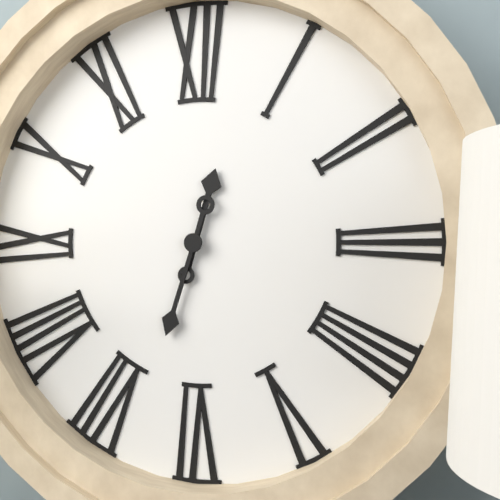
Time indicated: 12:33
